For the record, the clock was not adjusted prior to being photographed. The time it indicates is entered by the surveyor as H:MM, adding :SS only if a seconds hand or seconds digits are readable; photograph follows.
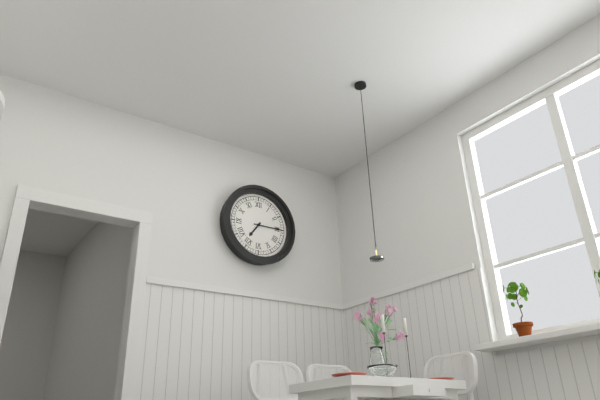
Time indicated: 7:15
